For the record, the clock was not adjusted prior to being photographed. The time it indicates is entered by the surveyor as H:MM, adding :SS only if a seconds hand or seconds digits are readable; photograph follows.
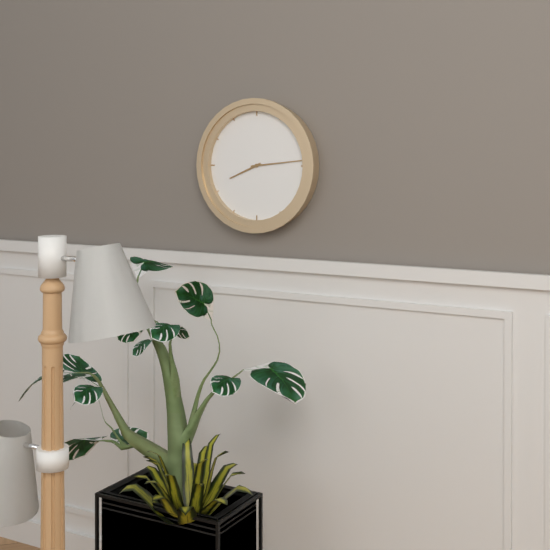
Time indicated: 8:14
